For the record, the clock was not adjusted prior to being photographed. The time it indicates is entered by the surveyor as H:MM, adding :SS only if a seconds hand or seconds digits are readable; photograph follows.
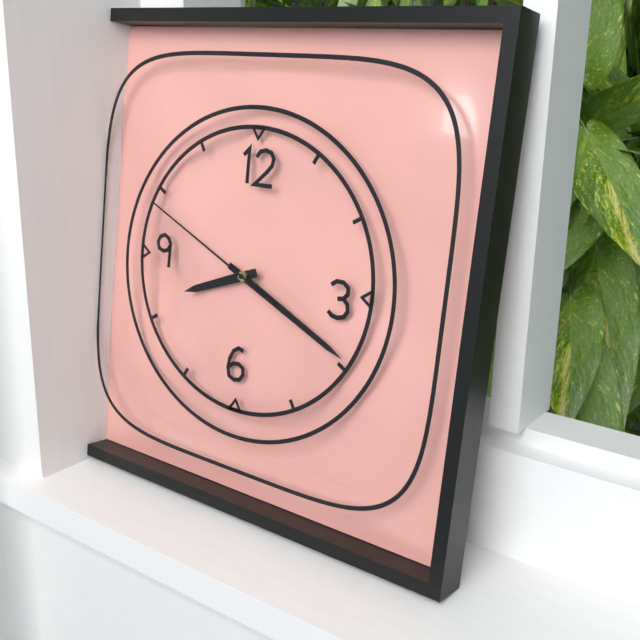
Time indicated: 8:19:49
